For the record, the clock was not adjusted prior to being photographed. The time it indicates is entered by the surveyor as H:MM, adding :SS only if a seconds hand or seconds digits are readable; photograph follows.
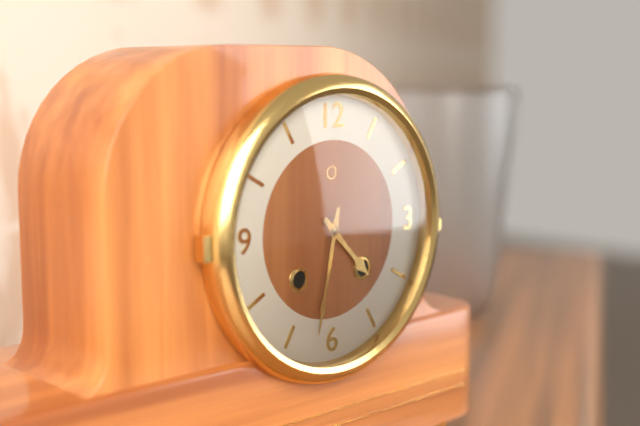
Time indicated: 4:32
